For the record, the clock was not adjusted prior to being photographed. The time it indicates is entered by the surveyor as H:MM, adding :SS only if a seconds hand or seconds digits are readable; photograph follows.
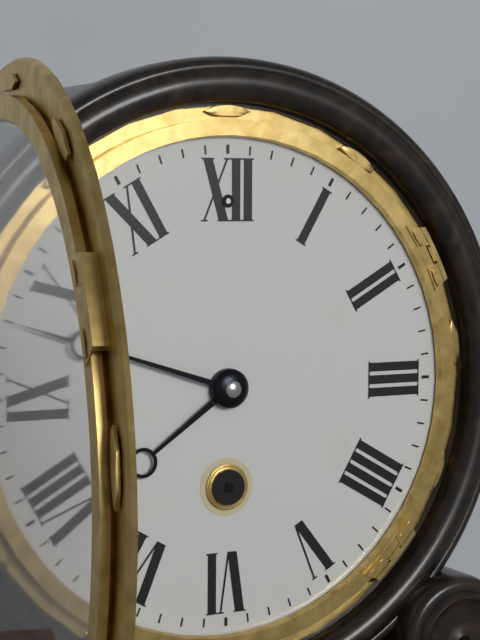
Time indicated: 7:48
